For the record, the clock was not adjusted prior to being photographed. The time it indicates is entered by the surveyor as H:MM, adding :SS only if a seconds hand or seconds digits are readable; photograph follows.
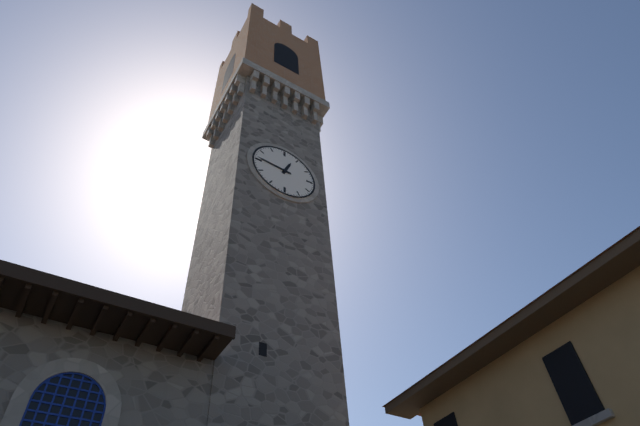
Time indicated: 12:46
